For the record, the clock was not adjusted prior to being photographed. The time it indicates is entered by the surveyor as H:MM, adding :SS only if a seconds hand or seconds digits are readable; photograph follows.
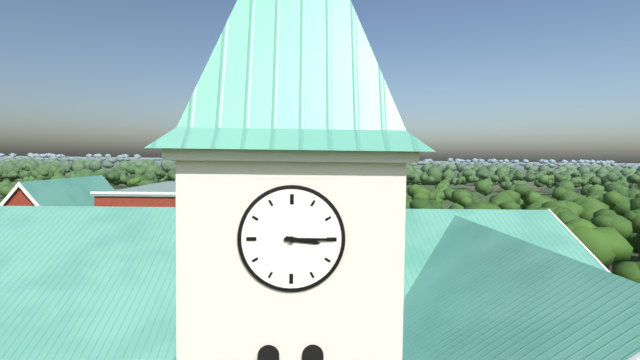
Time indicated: 3:15
